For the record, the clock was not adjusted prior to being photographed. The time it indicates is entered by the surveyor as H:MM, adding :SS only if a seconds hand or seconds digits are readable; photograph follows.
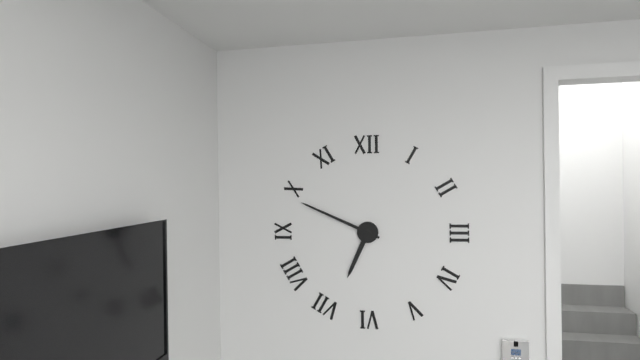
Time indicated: 6:49
